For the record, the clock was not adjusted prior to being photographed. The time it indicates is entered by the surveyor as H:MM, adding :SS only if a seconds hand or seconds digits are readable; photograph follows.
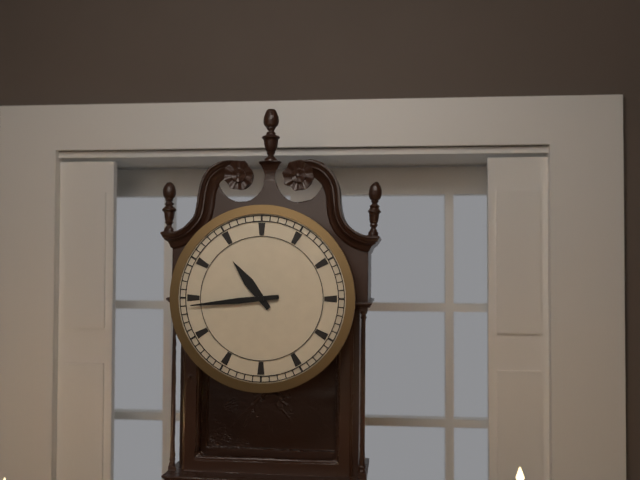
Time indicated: 10:44
